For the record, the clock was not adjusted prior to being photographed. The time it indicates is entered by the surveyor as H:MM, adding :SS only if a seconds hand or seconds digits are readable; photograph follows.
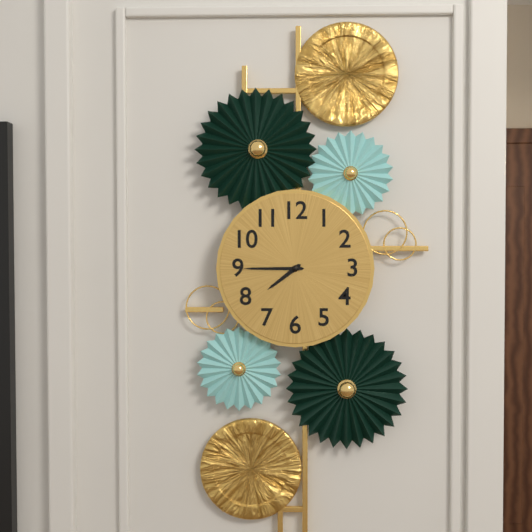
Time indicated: 7:45
